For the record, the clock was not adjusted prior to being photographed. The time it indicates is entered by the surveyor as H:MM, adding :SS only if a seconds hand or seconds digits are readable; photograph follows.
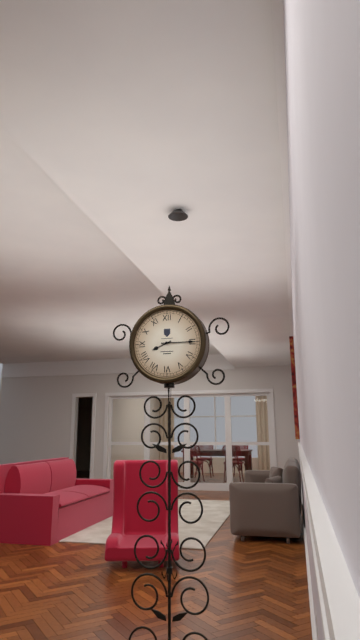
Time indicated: 8:15
